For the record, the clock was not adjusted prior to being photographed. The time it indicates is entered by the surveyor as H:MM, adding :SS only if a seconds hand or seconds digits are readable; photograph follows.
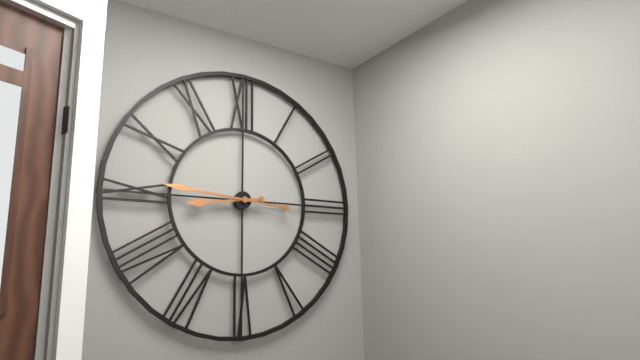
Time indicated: 8:46
